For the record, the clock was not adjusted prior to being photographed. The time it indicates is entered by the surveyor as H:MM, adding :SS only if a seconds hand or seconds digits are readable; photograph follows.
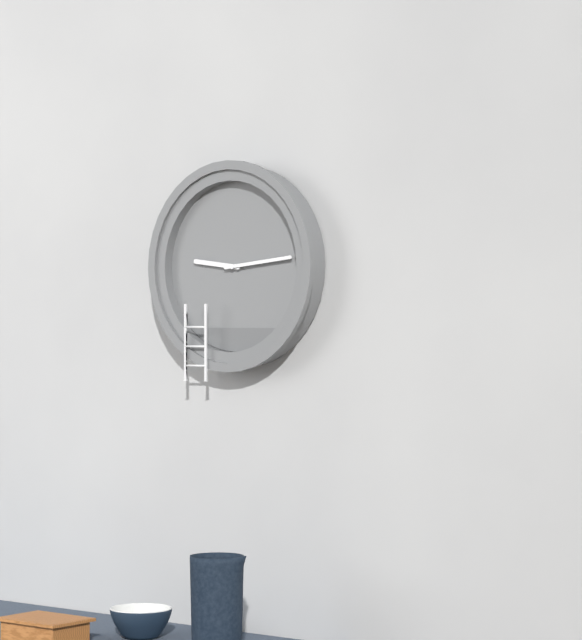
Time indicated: 9:14
